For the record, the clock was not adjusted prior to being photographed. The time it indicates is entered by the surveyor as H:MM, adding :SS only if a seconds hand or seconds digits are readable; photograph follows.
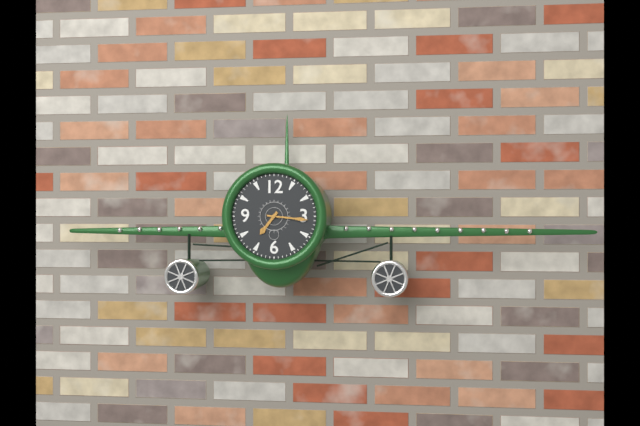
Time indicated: 7:16
